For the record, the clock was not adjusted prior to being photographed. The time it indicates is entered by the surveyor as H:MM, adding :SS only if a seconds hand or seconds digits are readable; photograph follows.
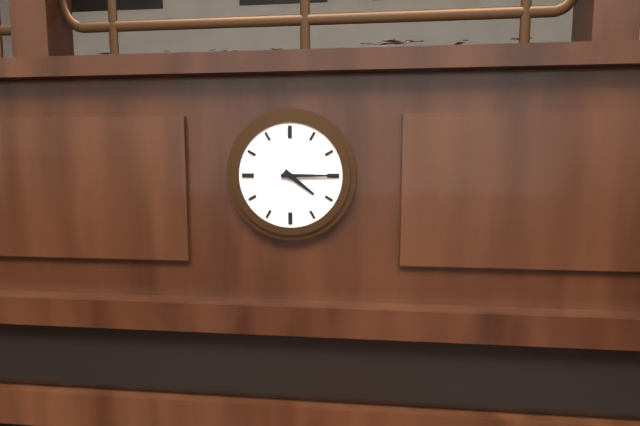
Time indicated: 4:15
